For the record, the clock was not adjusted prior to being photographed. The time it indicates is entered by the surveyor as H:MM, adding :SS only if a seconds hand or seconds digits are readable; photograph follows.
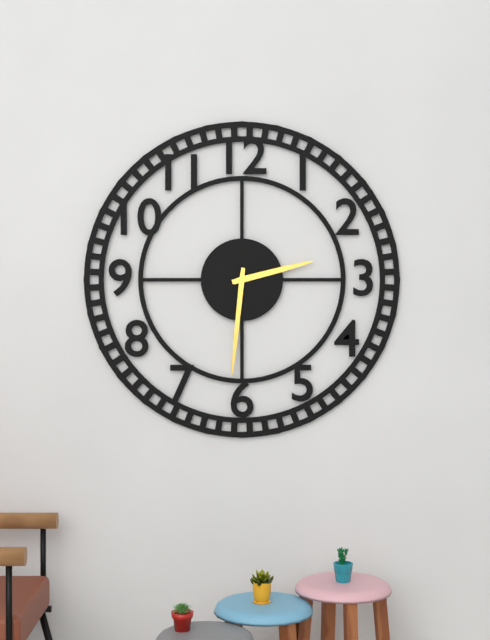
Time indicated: 2:31
